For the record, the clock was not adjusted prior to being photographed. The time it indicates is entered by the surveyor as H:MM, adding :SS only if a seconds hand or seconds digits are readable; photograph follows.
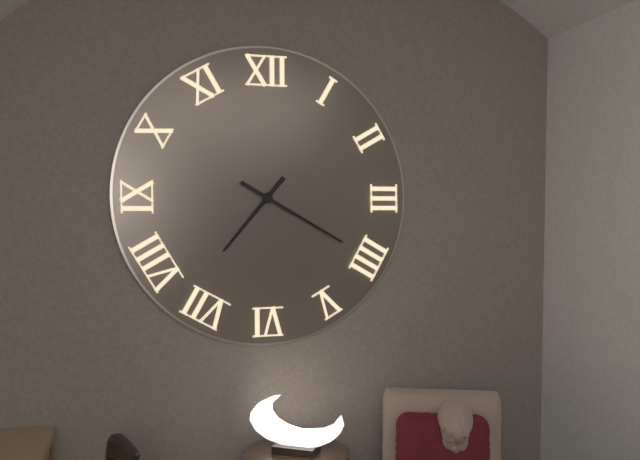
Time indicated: 7:20
